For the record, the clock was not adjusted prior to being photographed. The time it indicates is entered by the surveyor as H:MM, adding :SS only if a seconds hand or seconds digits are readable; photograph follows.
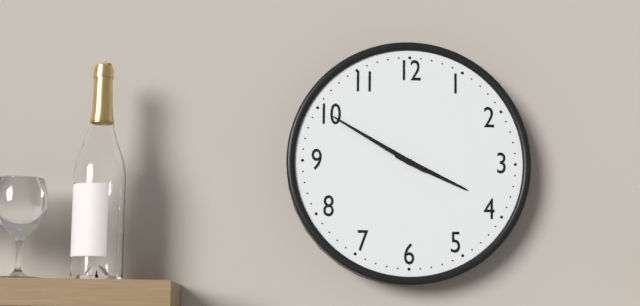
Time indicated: 3:50
